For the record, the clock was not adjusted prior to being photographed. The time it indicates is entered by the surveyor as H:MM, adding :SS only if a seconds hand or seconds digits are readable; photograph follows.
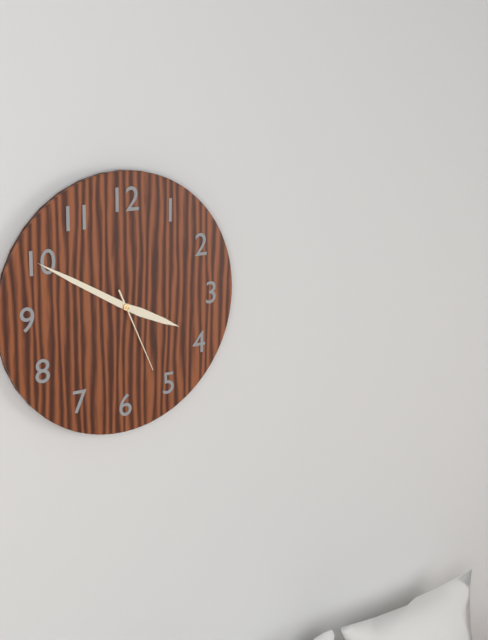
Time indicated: 3:50:26
